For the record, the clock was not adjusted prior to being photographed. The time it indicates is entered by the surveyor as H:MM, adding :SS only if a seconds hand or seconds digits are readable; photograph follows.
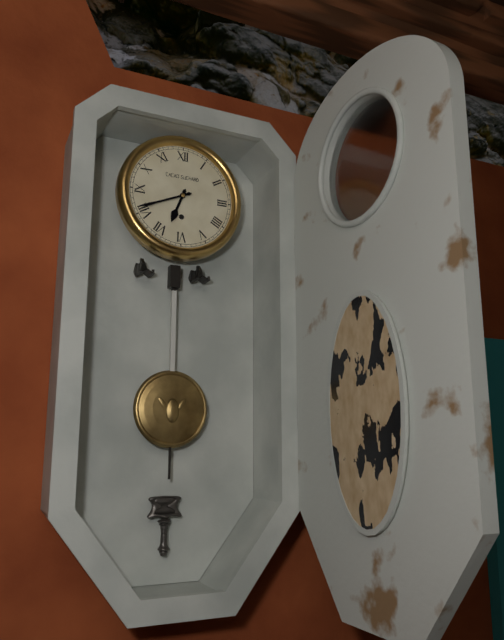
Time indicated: 6:41
